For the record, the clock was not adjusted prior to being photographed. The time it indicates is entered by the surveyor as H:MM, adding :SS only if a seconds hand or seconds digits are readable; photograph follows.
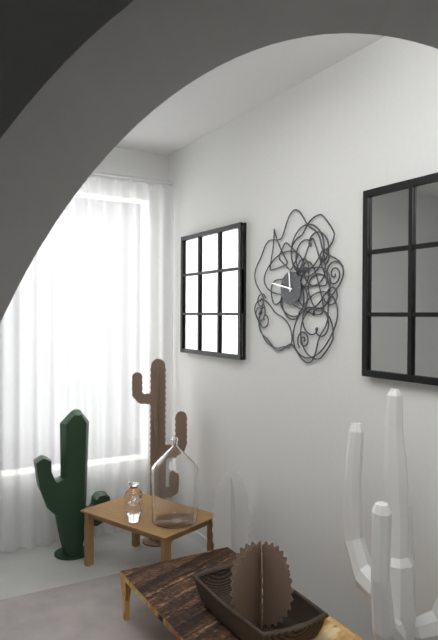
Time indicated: 11:47
